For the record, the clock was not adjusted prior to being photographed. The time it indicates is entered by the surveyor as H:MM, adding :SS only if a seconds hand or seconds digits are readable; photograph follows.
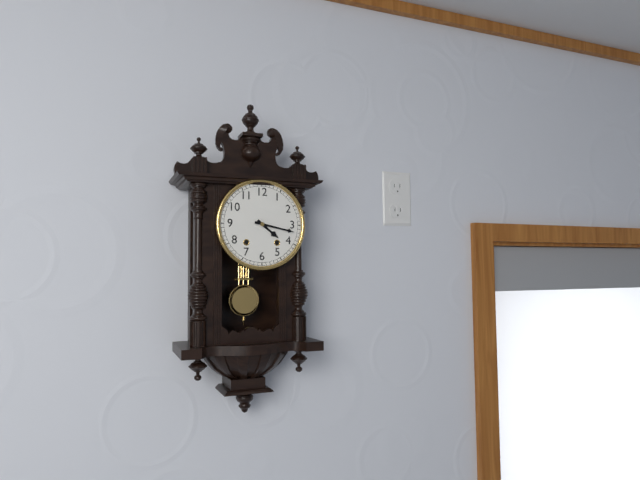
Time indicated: 4:17
